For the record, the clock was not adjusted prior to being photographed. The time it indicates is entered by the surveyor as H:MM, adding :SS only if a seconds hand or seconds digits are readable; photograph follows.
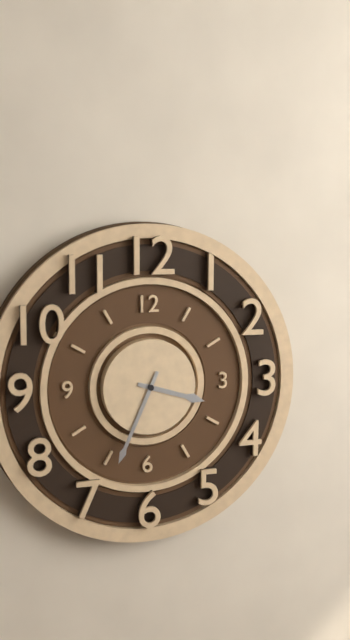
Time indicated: 3:34
